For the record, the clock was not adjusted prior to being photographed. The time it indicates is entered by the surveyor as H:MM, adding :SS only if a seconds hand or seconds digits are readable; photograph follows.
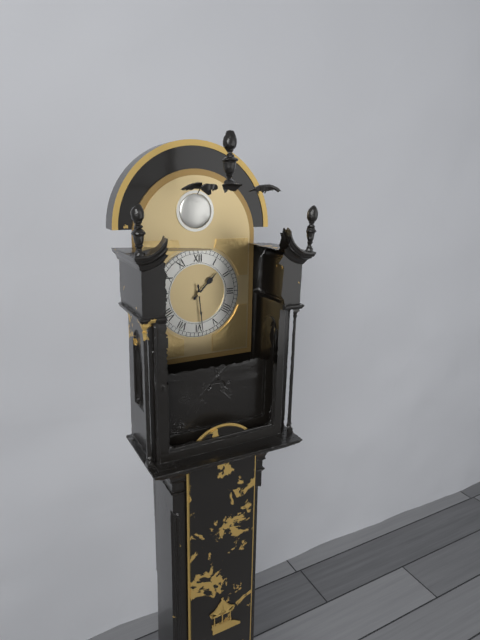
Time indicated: 1:29
